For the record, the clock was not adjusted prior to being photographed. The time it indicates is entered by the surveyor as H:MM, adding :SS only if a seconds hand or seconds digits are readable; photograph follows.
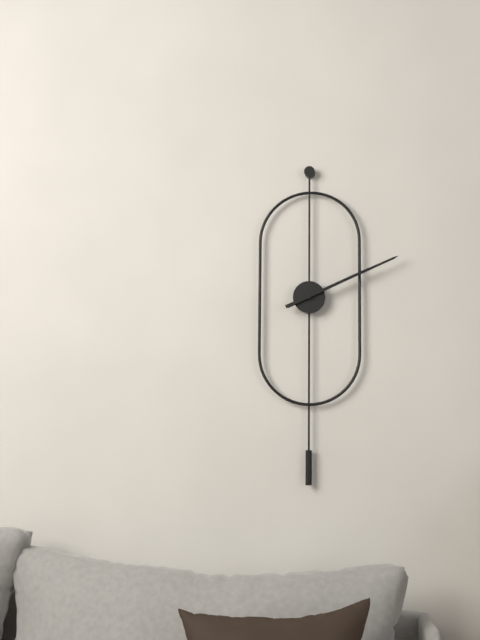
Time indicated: 2:11
